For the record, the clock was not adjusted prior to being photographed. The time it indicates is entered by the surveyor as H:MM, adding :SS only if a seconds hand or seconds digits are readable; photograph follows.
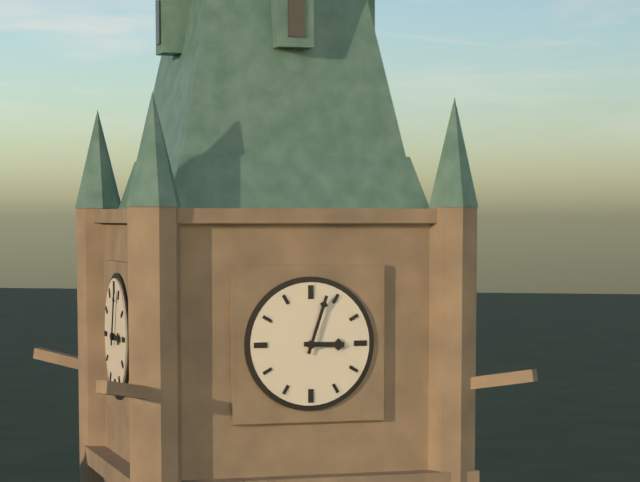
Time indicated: 3:03
